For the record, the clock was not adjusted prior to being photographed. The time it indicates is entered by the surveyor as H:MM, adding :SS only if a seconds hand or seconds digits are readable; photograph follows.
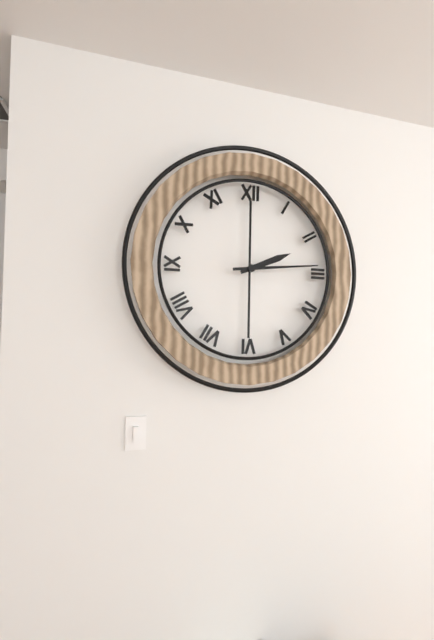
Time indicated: 2:14
